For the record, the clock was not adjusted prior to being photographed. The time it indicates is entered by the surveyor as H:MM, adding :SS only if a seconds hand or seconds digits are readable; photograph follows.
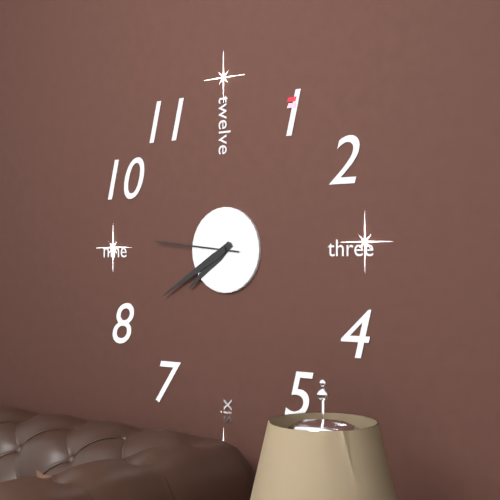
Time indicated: 7:40:46
